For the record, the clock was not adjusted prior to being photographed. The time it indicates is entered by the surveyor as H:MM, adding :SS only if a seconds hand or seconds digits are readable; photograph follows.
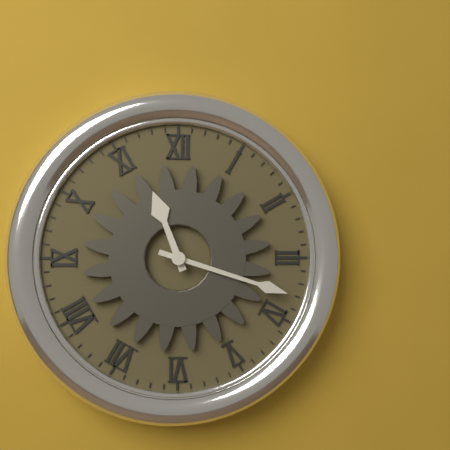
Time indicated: 11:18
